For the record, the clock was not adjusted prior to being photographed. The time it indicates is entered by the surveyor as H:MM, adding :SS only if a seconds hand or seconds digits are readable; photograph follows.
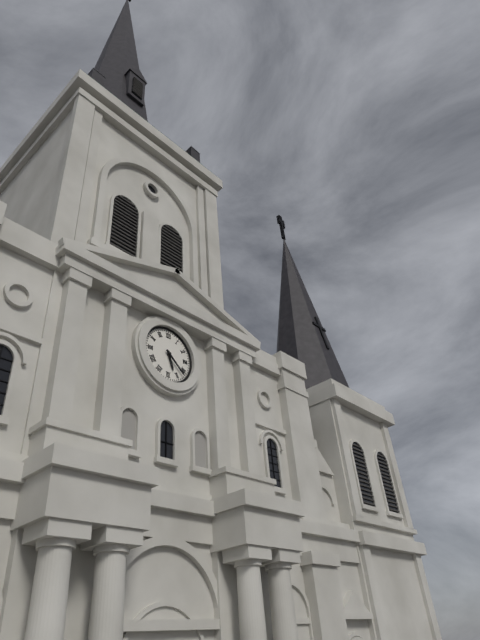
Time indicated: 5:22
